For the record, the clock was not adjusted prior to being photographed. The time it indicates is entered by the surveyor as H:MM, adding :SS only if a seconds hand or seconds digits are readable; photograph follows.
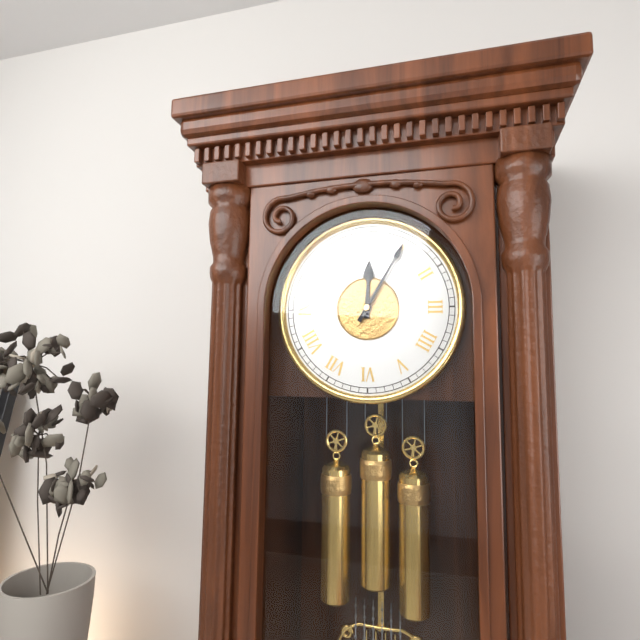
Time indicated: 12:05
